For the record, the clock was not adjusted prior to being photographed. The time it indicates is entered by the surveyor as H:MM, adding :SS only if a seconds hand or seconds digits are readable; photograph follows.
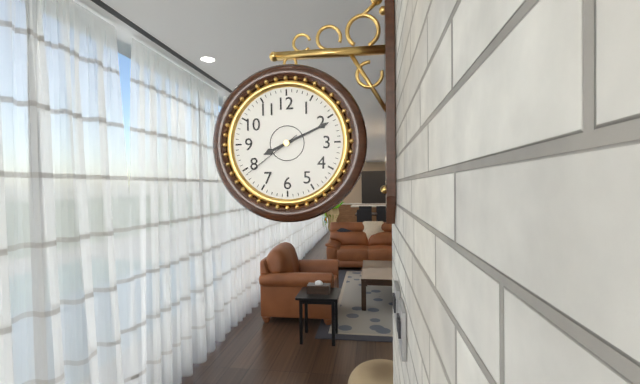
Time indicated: 8:11:39
